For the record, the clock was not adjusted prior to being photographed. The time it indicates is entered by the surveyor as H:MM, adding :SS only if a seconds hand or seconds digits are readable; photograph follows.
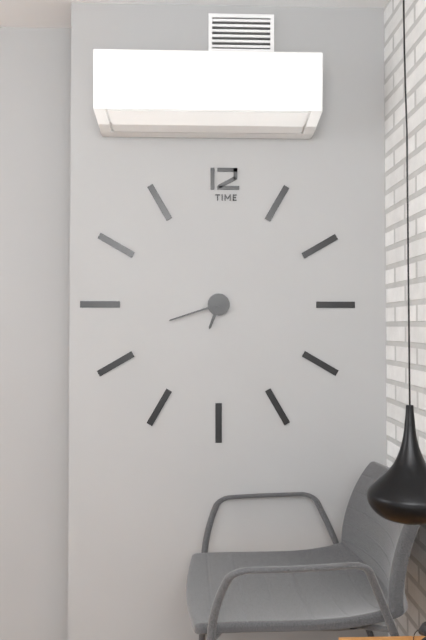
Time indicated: 6:42
